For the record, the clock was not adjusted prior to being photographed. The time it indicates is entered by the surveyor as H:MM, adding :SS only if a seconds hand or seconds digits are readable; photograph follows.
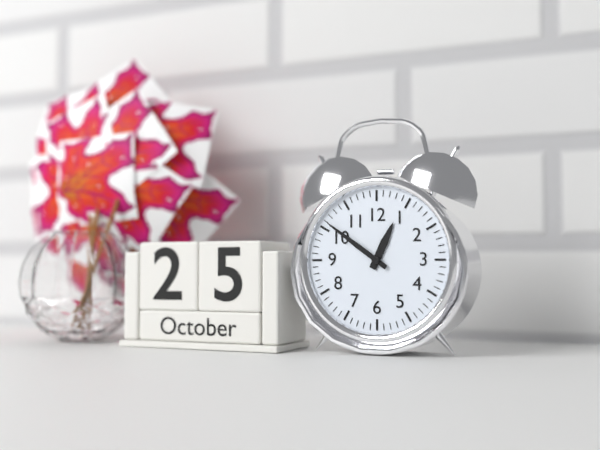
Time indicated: 12:51
